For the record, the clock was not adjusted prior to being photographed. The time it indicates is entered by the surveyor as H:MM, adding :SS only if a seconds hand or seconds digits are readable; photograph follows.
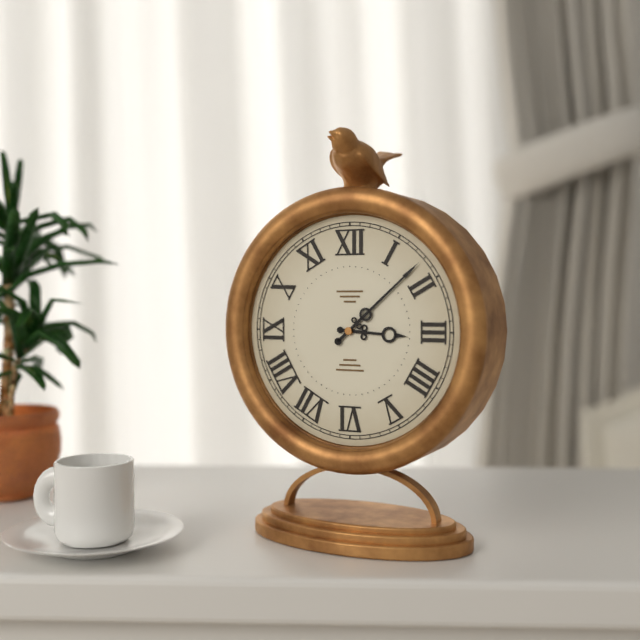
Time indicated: 3:08
